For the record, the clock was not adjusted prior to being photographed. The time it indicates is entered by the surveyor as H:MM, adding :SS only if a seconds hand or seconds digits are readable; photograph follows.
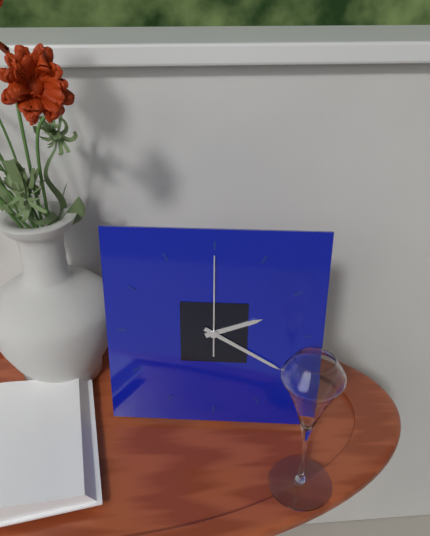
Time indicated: 2:20:00
